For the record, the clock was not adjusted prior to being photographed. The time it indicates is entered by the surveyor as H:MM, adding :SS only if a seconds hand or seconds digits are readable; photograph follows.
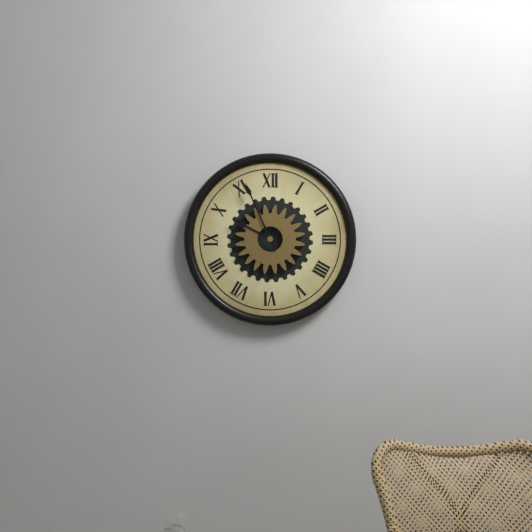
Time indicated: 9:56
